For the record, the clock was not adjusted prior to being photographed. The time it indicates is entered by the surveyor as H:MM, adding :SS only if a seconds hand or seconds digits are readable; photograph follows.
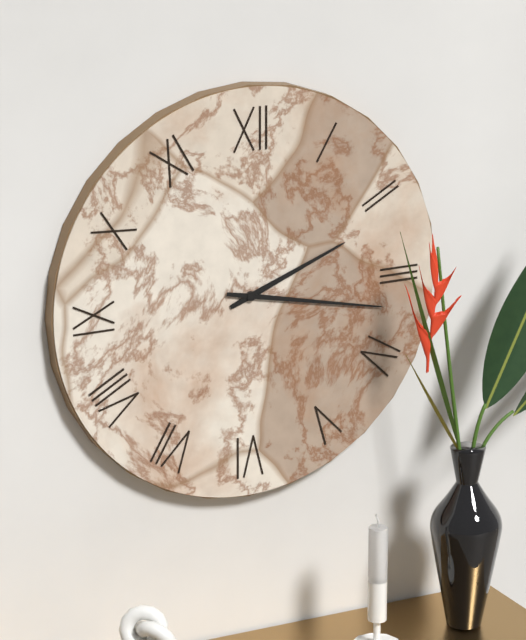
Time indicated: 2:17
